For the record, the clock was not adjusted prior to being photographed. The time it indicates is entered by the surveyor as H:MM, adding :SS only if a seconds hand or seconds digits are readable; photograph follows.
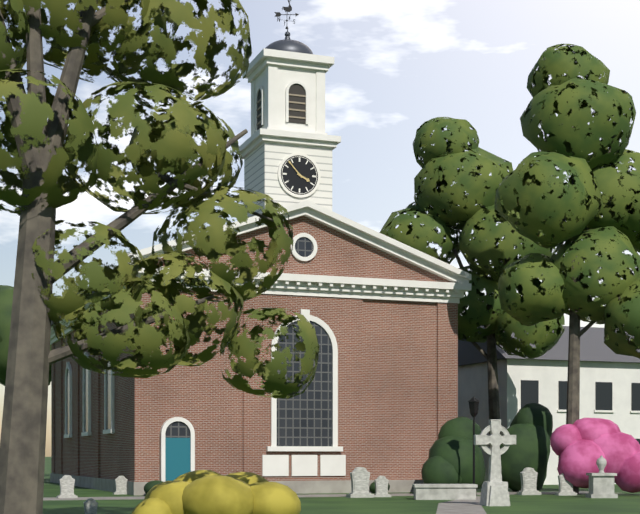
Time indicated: 3:53
